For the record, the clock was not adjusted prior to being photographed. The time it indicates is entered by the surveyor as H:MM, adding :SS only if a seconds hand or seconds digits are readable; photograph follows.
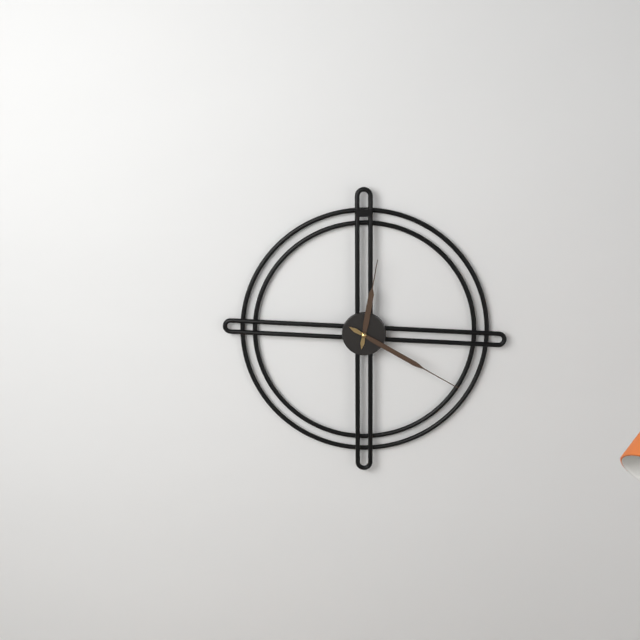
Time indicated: 12:20
